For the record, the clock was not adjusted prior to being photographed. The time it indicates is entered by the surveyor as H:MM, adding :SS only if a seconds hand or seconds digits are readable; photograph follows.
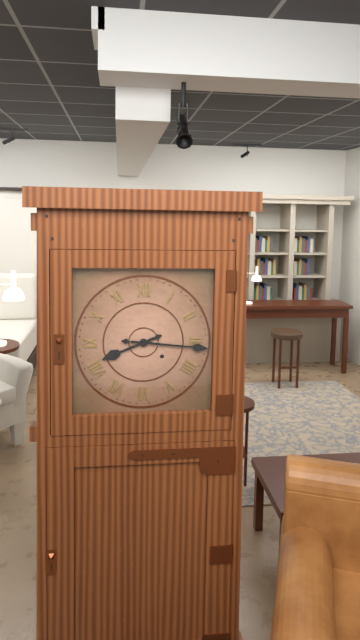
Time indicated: 8:16
